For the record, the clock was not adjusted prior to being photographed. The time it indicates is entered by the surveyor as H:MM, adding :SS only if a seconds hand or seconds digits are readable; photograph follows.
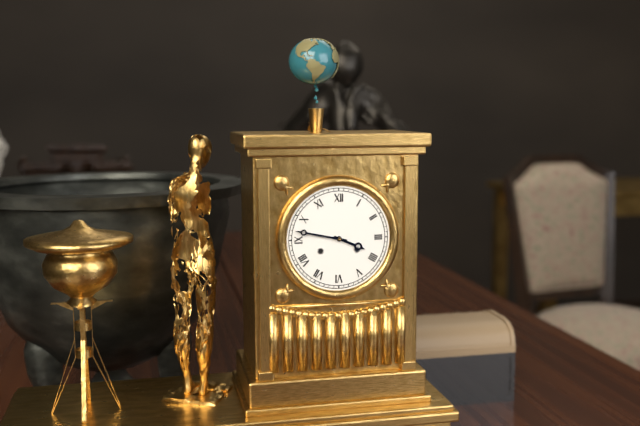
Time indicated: 3:47
